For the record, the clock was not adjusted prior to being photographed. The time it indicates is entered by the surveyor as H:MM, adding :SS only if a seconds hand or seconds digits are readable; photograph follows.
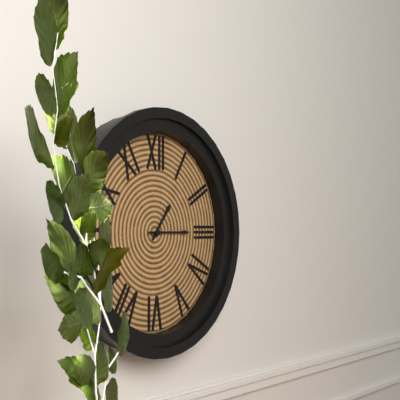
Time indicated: 1:15
